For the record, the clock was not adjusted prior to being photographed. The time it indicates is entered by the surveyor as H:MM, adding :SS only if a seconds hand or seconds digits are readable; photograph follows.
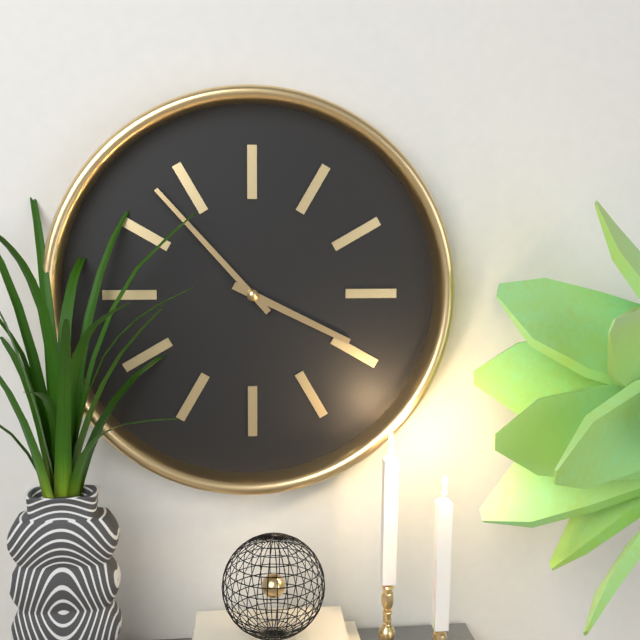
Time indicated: 3:53
